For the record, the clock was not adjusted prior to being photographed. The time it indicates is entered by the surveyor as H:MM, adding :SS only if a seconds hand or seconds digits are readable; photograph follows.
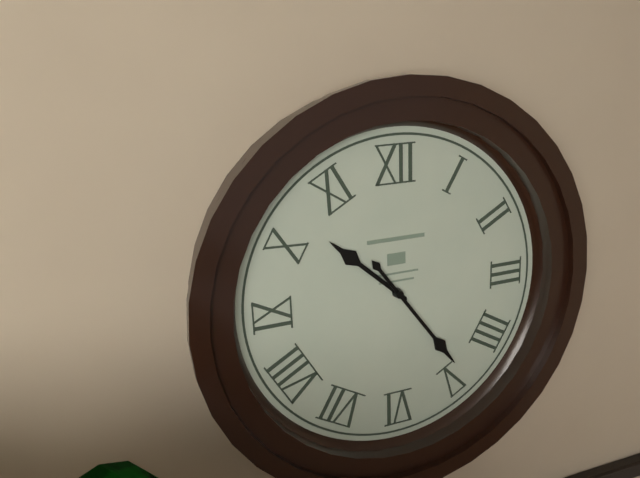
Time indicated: 10:24
